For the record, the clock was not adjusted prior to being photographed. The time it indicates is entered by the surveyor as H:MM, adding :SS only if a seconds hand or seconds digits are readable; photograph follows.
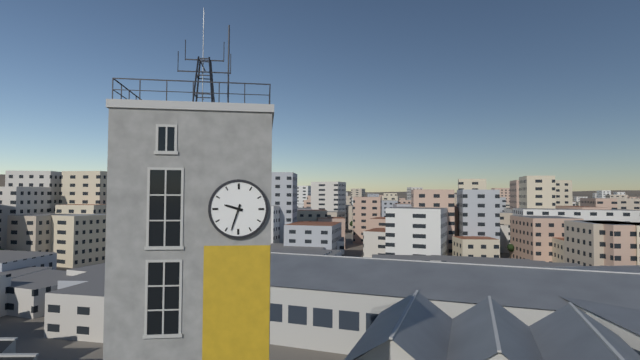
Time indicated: 9:33
